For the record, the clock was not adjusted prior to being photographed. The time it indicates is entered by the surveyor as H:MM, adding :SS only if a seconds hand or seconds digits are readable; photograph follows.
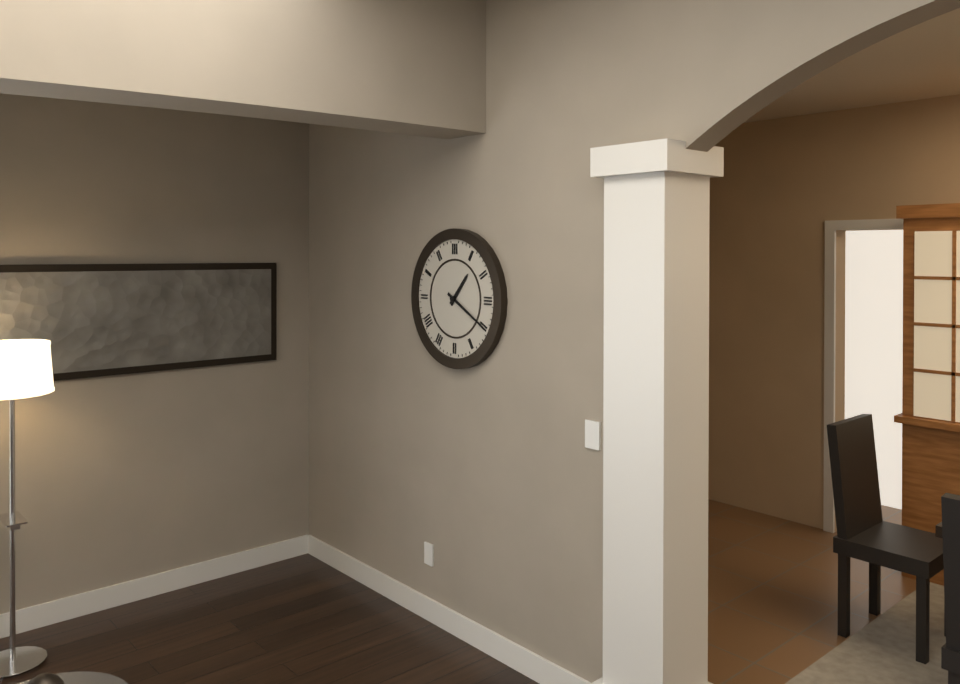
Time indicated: 1:20
